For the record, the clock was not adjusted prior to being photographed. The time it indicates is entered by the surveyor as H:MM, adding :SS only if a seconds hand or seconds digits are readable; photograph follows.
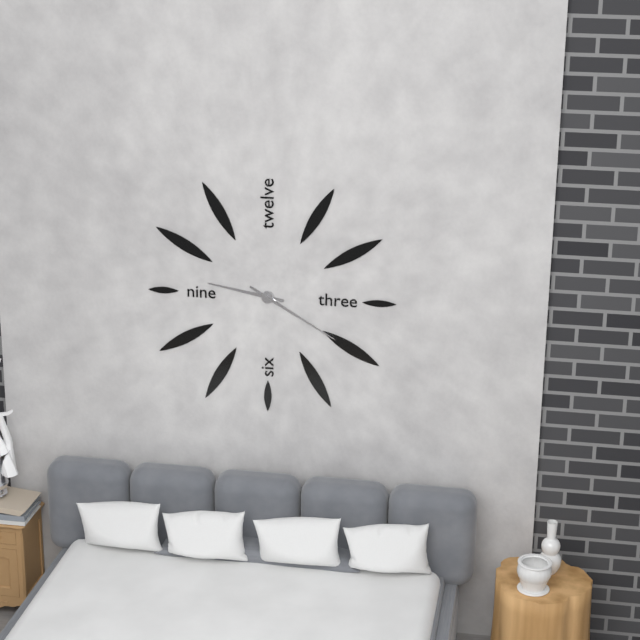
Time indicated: 9:20
